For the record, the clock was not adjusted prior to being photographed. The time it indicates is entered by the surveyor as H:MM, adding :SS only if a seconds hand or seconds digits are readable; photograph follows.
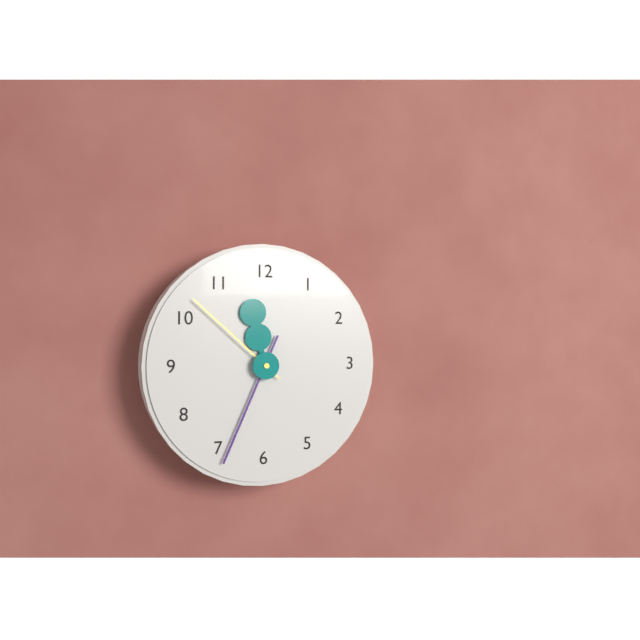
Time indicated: 11:34:52
